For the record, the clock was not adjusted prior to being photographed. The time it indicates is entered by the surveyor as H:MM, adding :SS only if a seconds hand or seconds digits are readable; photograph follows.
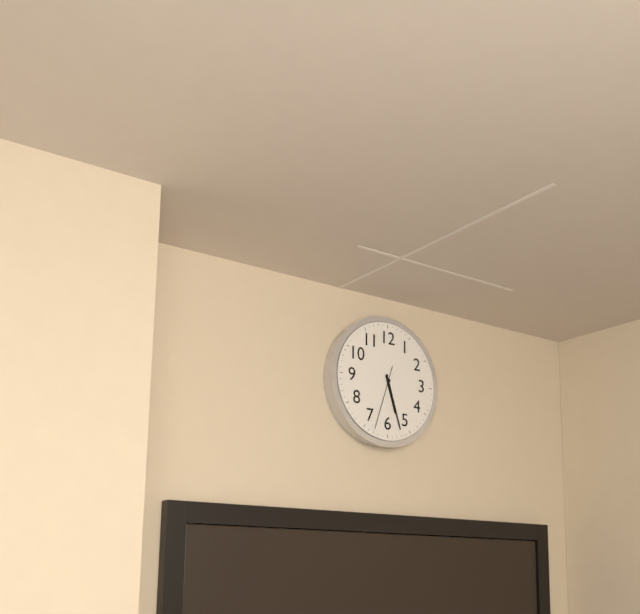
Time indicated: 5:27:33
